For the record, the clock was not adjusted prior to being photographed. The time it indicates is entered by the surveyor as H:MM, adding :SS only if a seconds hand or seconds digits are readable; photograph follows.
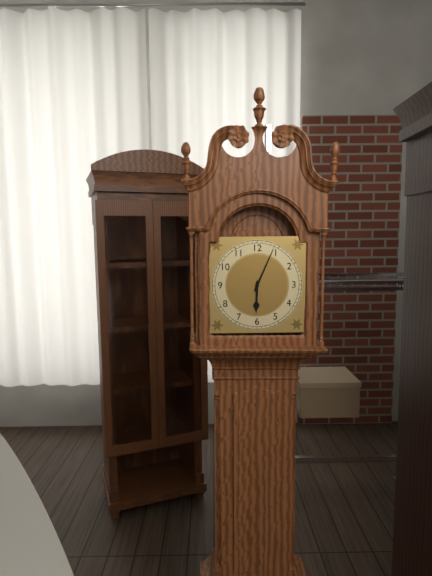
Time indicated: 6:04
